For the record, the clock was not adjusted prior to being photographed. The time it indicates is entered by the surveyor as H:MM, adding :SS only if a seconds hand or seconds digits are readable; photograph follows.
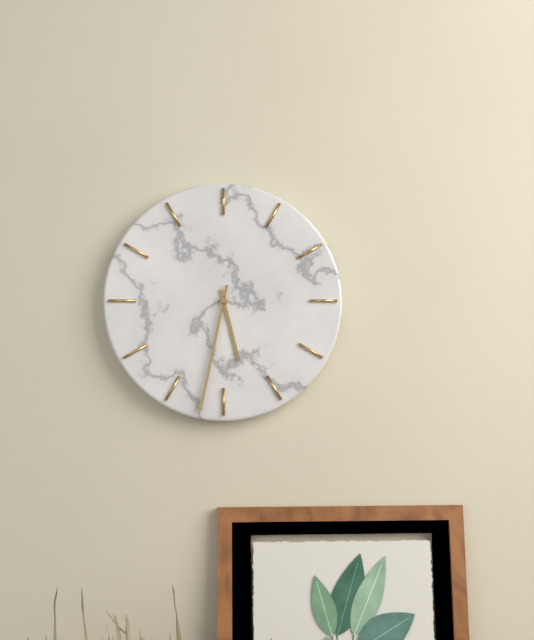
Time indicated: 5:32
